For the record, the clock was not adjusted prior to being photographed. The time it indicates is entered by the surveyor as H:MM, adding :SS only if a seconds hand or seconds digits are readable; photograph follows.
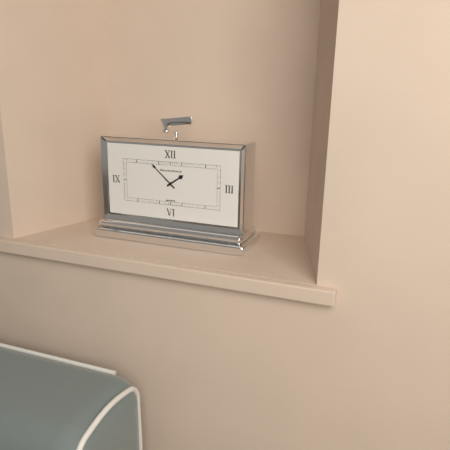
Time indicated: 1:52
